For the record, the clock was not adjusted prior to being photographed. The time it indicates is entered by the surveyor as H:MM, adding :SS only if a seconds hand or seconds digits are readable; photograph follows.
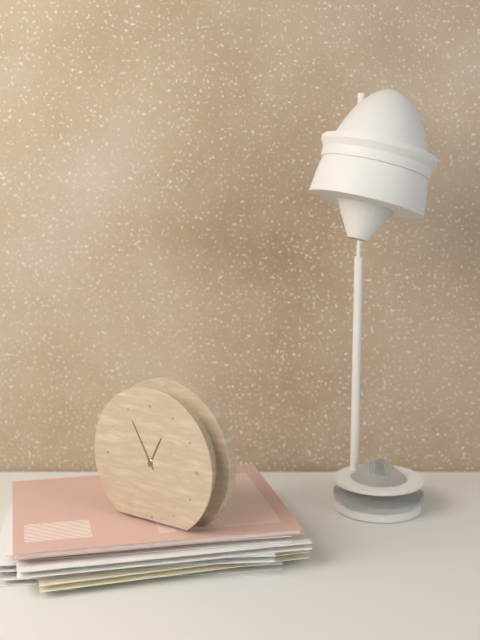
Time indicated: 12:55
